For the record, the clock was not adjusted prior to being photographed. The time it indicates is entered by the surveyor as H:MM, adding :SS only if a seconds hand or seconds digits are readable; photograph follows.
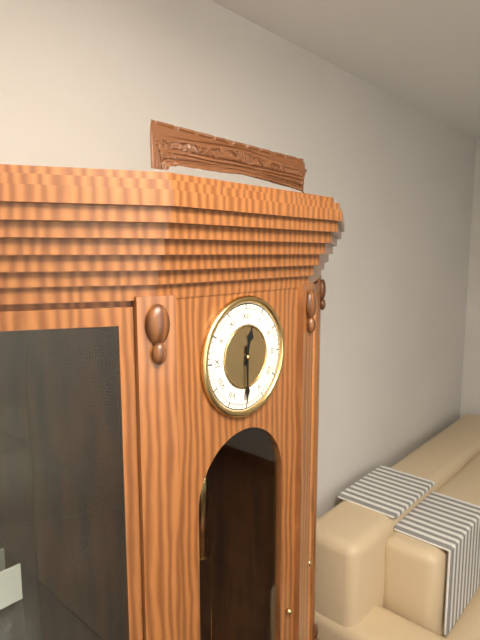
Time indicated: 12:30
